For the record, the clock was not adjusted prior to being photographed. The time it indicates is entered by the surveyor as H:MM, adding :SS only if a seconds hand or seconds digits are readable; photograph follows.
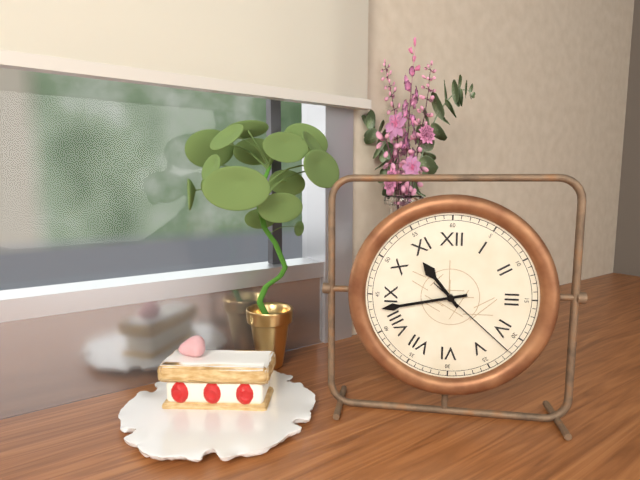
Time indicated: 10:43:22
